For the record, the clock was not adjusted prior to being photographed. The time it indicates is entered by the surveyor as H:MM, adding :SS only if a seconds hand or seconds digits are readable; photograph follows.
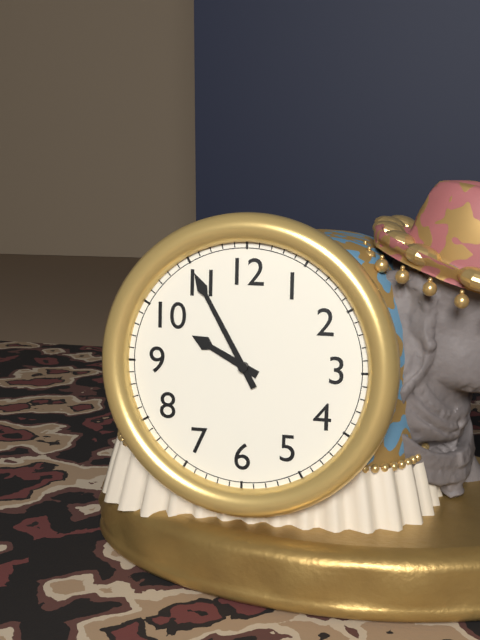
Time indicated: 9:55
